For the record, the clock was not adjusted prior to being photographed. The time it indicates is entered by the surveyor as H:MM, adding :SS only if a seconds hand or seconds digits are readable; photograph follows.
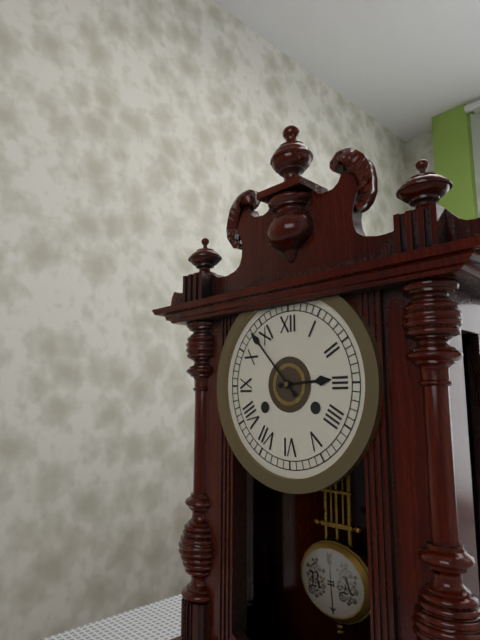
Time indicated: 2:53
